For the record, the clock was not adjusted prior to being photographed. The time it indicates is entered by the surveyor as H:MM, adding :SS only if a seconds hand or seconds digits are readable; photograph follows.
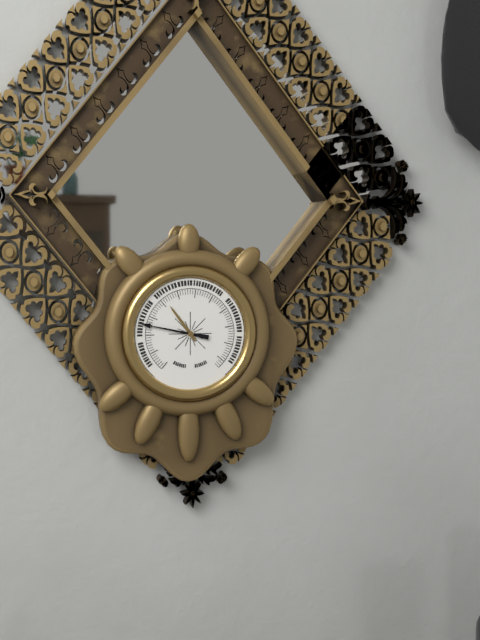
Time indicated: 10:47
